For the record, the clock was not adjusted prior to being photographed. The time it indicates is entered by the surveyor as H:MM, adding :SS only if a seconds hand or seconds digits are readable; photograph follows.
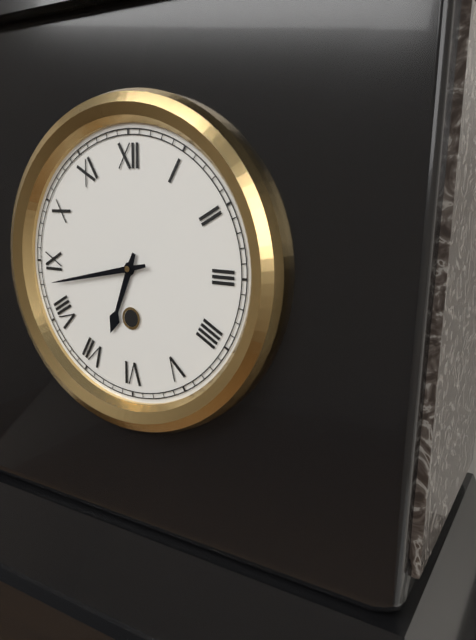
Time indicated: 6:43
